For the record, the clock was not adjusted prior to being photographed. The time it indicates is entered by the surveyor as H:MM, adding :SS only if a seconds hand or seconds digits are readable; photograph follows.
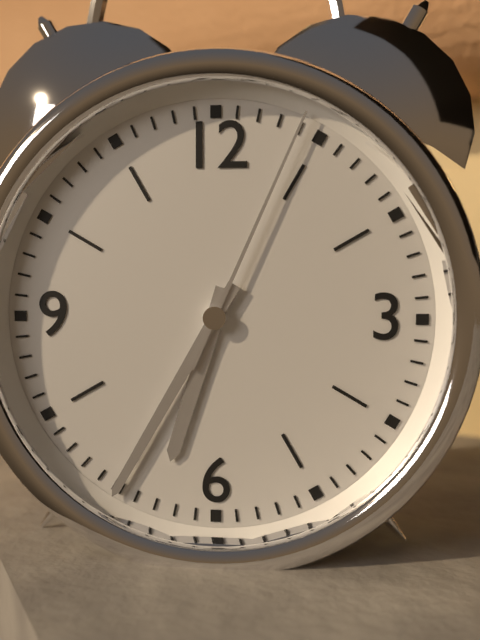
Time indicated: 6:35:04
